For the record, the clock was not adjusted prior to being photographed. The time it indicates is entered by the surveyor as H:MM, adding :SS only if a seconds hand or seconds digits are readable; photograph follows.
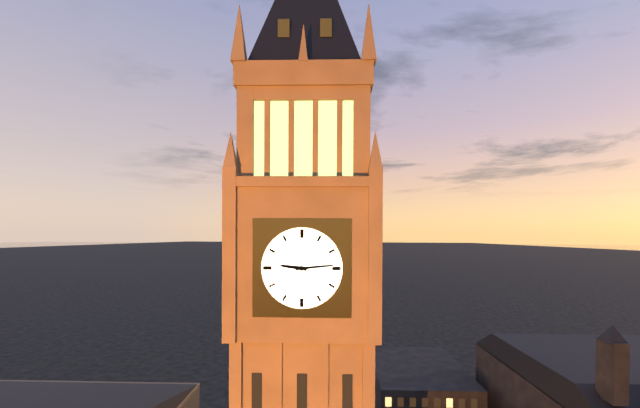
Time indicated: 9:14
